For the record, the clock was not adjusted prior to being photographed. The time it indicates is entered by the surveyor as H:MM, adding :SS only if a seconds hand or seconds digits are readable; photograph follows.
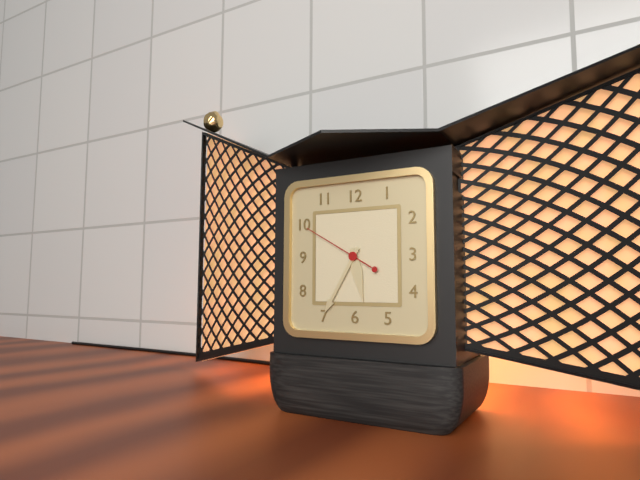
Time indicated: 5:35:50
